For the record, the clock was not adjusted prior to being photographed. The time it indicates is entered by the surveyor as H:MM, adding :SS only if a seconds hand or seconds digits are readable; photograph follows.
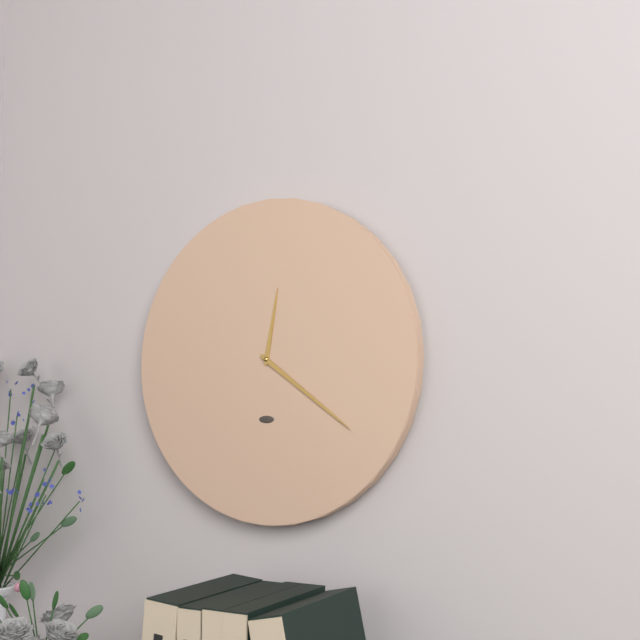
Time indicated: 12:21
